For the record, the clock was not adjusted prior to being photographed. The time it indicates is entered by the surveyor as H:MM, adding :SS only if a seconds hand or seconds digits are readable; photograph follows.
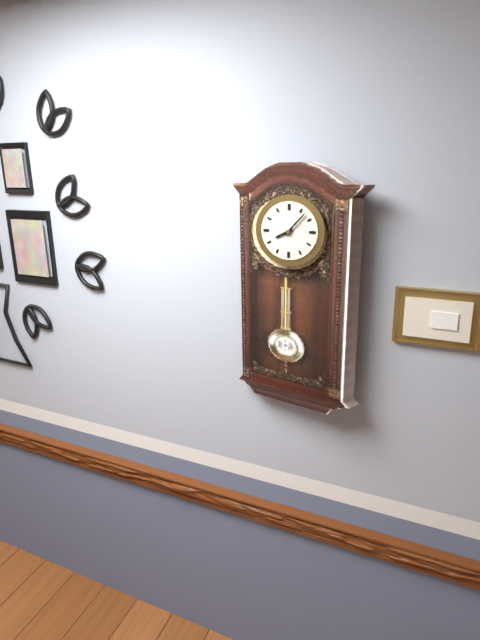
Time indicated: 8:07
